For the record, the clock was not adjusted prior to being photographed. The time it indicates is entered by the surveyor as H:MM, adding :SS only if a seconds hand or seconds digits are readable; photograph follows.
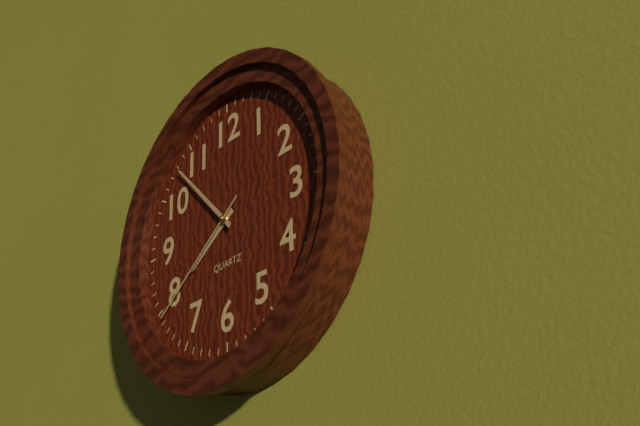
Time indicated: 7:53:39
